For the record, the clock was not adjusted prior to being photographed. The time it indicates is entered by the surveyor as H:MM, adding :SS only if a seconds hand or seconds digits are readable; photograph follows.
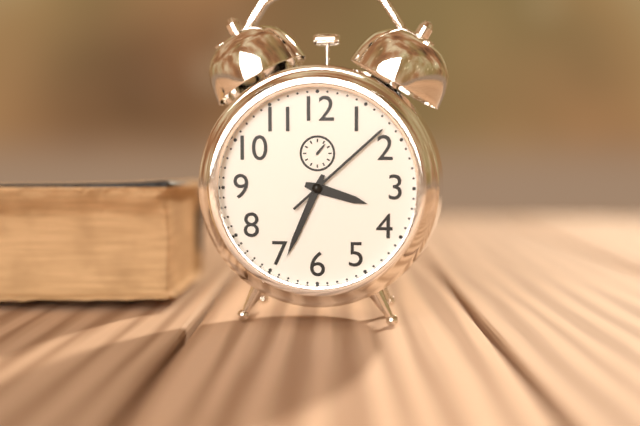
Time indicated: 3:34:08
